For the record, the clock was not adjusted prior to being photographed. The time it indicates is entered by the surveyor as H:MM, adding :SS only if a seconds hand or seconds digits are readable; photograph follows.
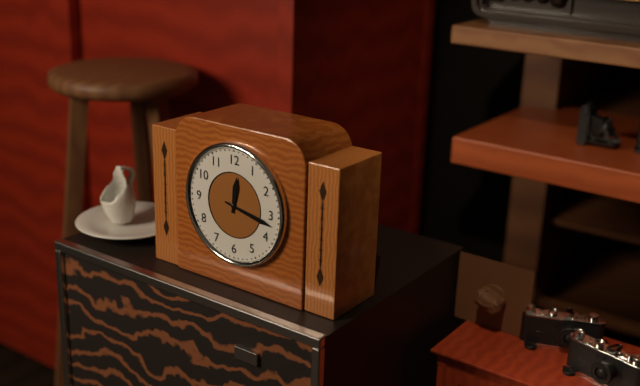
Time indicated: 12:17
